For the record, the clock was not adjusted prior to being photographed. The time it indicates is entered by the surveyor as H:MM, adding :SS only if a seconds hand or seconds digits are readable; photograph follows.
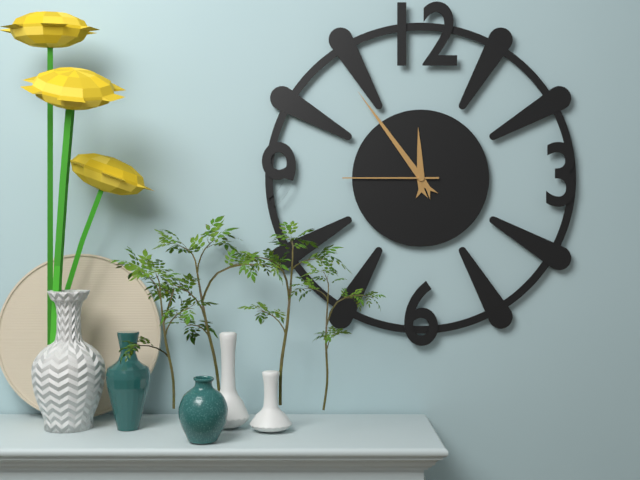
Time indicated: 11:54:45
